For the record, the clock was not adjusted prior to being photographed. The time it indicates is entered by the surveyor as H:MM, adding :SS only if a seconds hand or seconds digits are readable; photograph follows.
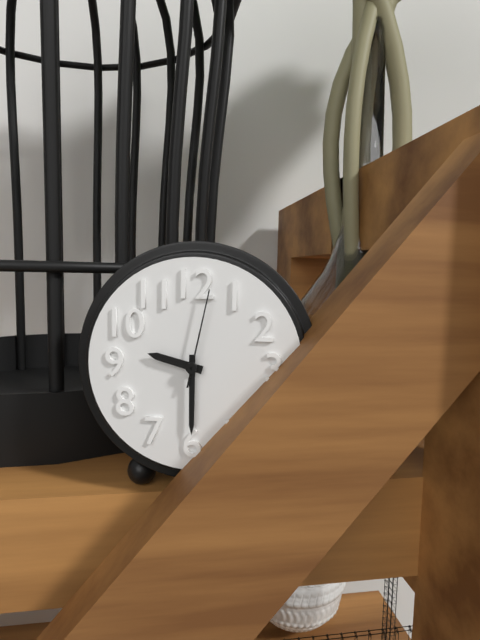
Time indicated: 9:30:02
